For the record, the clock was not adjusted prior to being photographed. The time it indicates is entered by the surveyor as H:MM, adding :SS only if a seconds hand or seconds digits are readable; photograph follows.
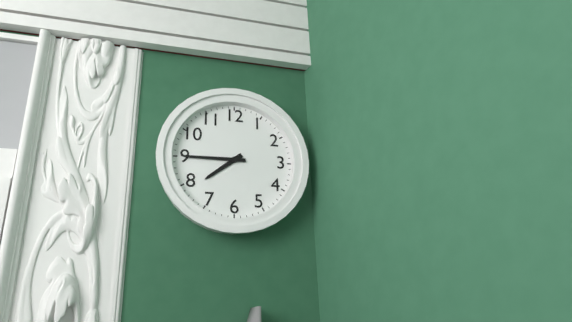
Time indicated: 7:45
